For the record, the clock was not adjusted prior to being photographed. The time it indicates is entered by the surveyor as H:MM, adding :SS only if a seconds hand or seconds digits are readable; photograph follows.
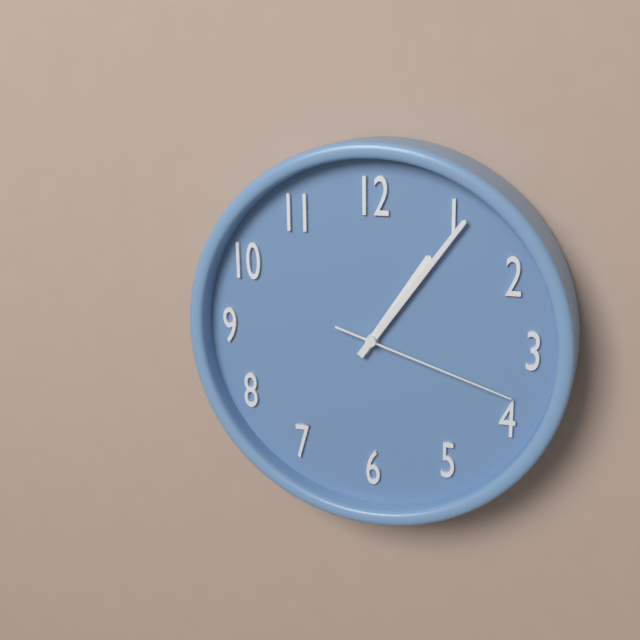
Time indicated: 1:06:18
